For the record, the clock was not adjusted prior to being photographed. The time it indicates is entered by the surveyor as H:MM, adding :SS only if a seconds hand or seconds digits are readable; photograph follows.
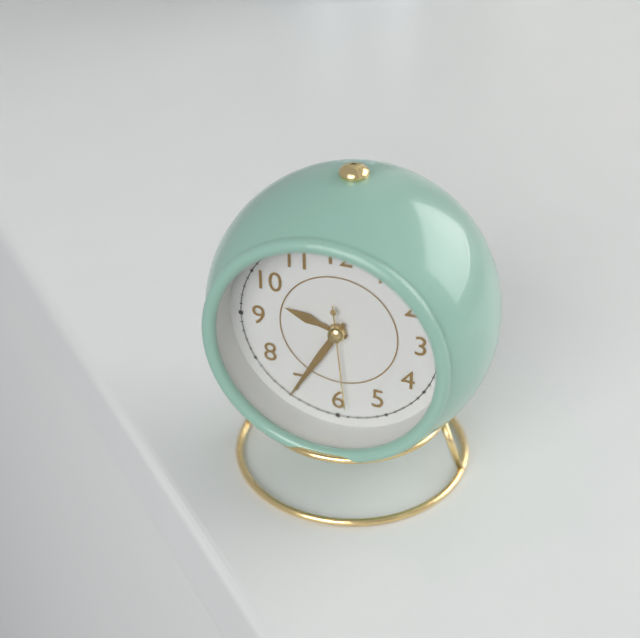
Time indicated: 9:35:29
